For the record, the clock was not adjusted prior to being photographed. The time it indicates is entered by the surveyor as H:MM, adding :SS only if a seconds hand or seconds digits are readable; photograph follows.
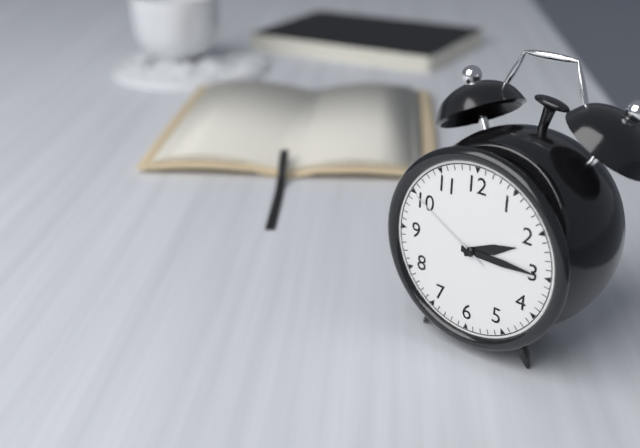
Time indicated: 2:15:50
